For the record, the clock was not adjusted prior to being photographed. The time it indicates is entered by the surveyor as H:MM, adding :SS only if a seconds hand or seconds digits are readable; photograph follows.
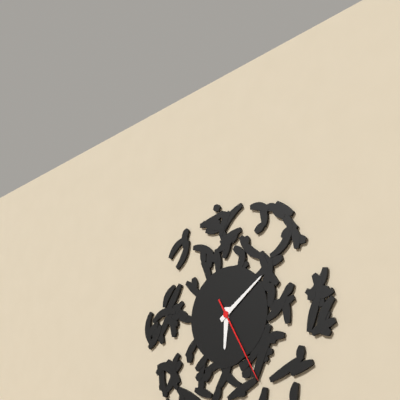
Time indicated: 6:09:25
